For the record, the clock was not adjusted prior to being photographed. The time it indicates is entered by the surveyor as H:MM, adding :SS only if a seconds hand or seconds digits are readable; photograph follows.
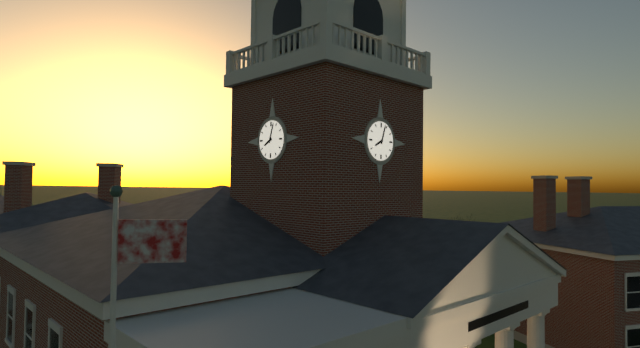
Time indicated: 8:03
